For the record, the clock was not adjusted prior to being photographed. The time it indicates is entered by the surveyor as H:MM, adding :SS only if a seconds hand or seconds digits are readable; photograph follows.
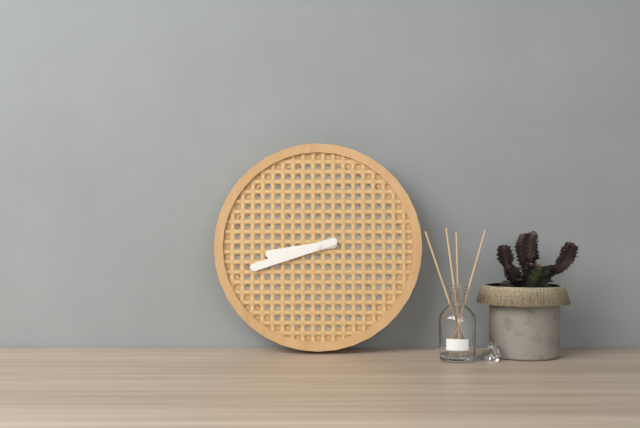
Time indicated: 8:42
